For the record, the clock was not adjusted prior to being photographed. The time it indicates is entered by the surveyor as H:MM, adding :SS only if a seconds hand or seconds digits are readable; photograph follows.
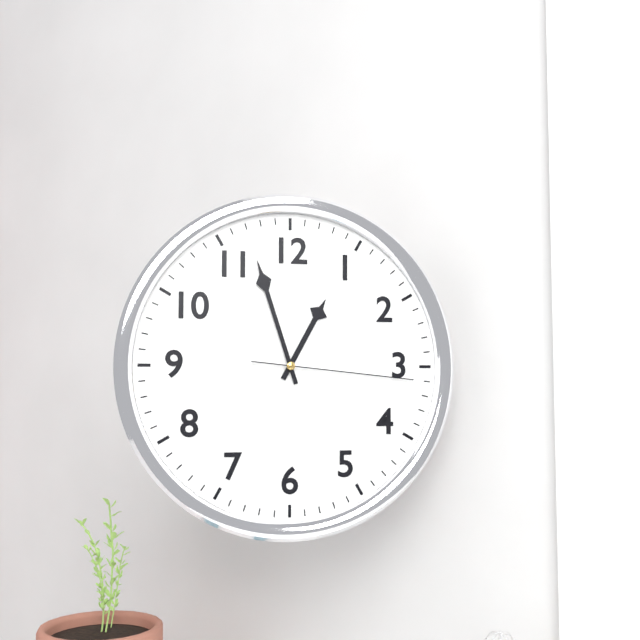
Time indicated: 12:57:16
